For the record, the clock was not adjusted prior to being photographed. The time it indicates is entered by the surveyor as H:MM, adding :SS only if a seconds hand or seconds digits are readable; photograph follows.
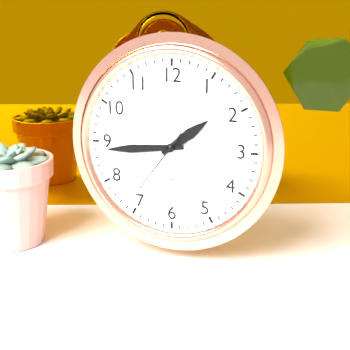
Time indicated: 1:44:36
